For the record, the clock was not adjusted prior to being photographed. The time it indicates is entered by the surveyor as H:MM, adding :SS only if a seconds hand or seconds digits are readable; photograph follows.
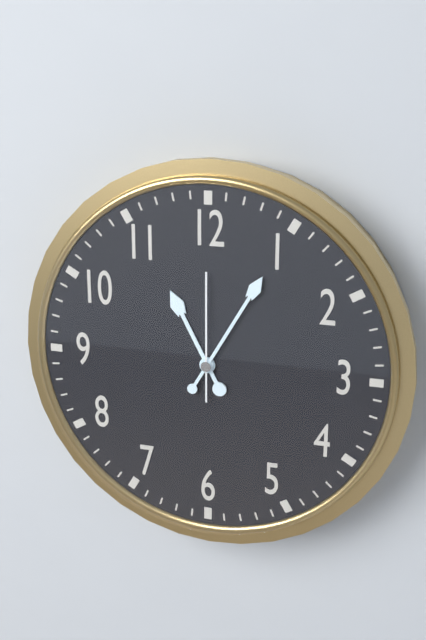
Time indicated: 11:05:00
